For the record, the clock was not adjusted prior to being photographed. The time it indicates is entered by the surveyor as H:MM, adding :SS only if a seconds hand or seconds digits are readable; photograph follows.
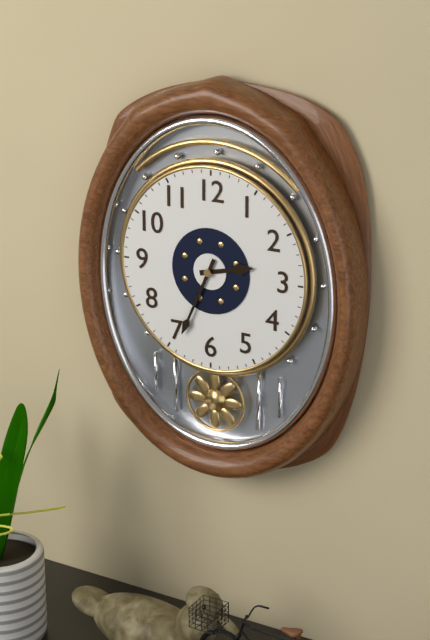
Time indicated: 2:34
